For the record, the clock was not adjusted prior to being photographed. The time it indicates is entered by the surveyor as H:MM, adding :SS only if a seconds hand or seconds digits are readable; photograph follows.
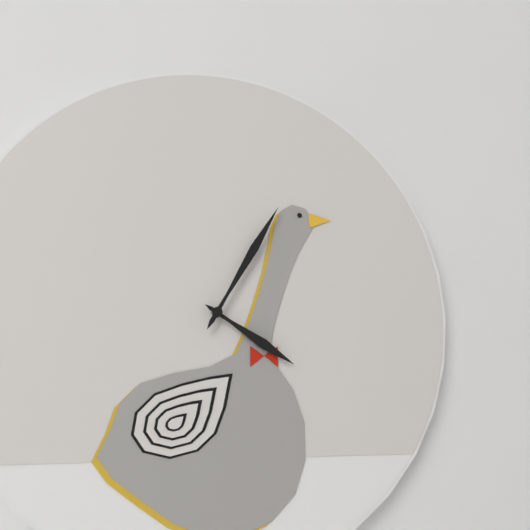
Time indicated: 4:05
